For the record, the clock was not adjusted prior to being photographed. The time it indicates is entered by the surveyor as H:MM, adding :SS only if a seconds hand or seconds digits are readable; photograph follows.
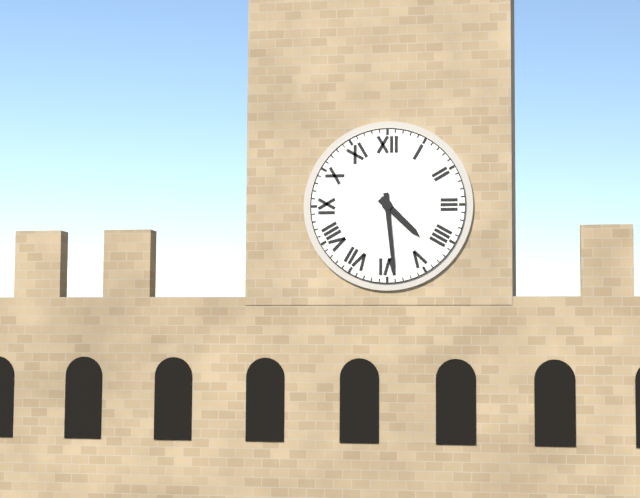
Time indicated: 4:29
